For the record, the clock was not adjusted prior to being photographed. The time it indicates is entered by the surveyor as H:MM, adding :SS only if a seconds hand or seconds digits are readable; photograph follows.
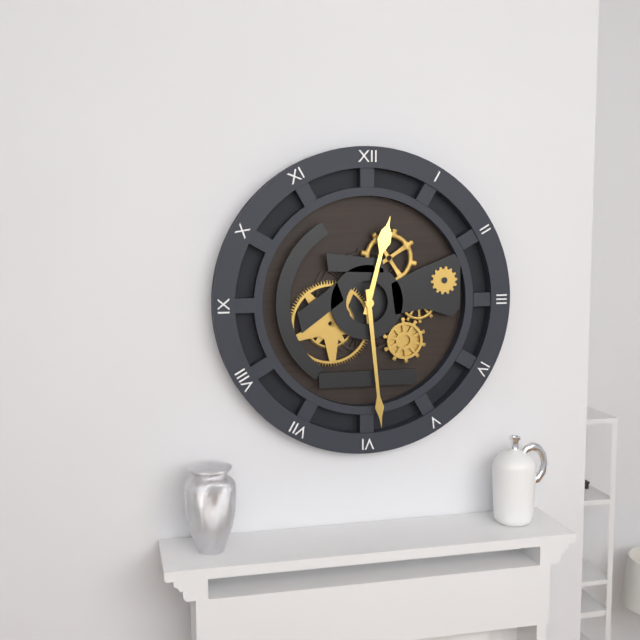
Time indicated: 12:29
